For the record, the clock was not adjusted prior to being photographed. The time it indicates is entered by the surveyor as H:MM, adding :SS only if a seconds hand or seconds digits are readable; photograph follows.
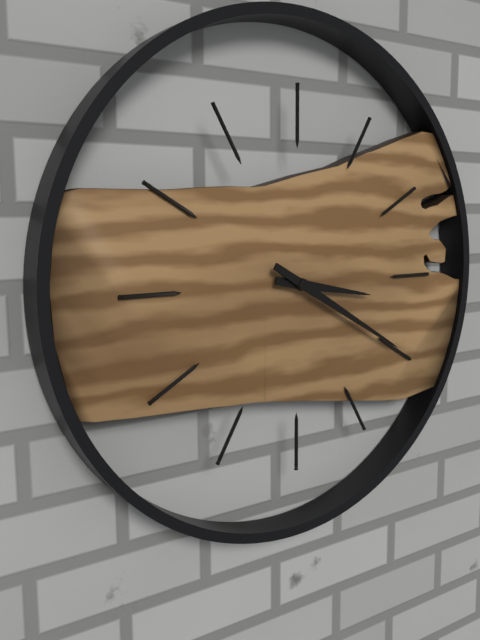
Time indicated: 3:20
